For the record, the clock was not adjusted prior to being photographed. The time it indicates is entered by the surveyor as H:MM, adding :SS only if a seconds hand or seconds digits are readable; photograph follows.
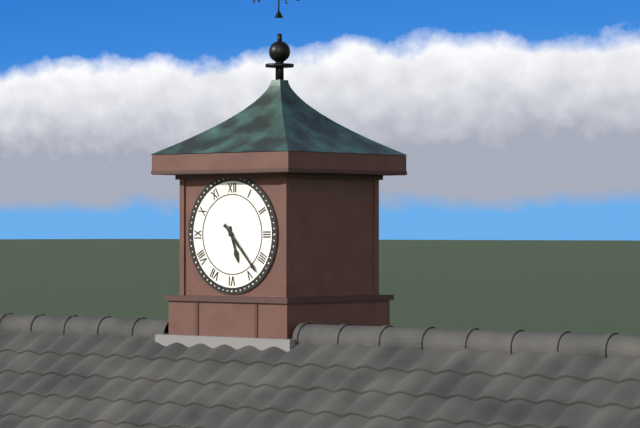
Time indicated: 5:23
